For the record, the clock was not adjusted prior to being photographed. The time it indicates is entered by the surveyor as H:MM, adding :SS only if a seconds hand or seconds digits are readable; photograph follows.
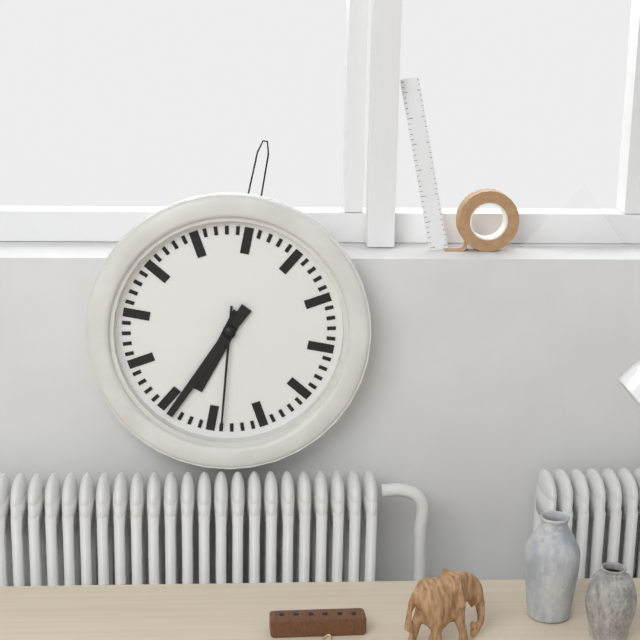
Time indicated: 6:34:29
